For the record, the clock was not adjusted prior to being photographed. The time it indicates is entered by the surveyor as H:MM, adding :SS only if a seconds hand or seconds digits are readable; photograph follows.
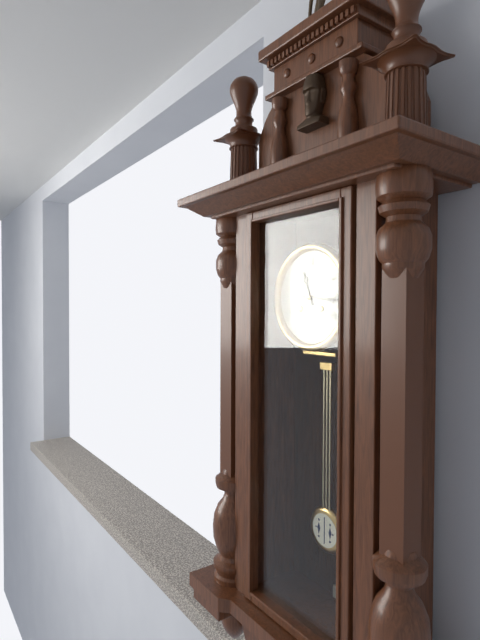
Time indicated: 11:16
